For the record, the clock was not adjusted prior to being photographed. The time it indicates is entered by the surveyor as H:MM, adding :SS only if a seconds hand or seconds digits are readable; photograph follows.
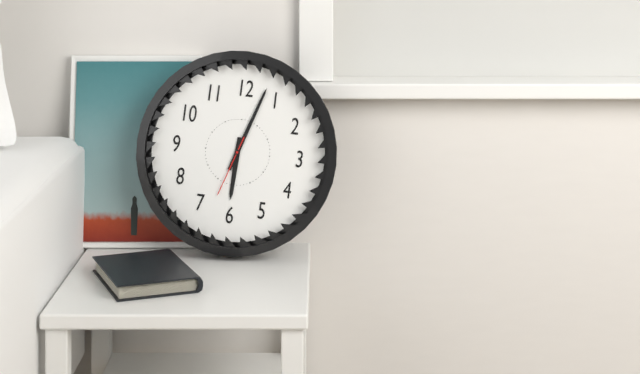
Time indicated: 6:03:33
